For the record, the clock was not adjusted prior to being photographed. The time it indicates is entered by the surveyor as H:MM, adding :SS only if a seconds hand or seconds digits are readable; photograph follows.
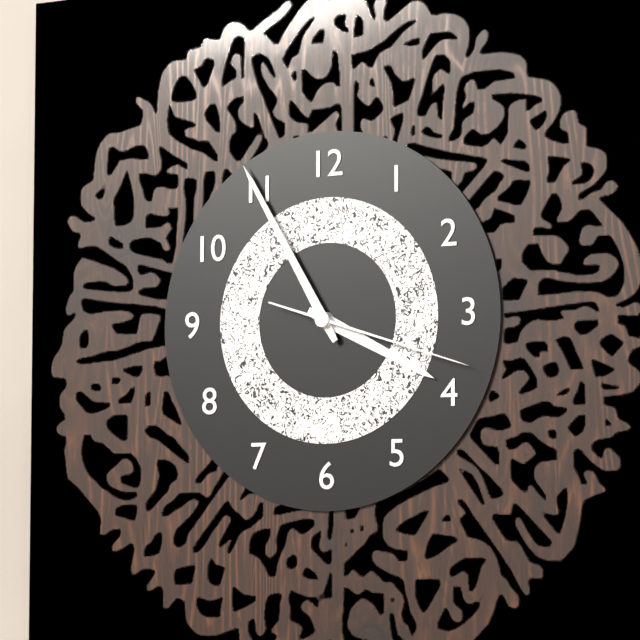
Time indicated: 3:55:18
